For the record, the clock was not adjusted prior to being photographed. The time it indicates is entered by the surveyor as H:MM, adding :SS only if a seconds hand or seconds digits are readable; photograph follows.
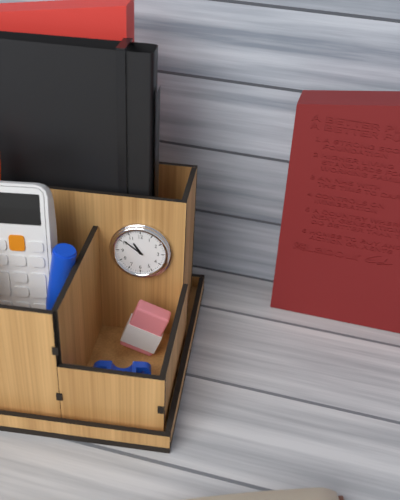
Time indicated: 10:51
